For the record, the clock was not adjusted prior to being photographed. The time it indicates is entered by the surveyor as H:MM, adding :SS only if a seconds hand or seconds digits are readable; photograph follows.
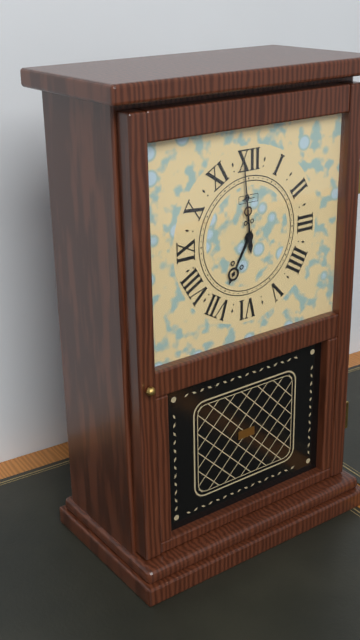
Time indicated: 6:59
